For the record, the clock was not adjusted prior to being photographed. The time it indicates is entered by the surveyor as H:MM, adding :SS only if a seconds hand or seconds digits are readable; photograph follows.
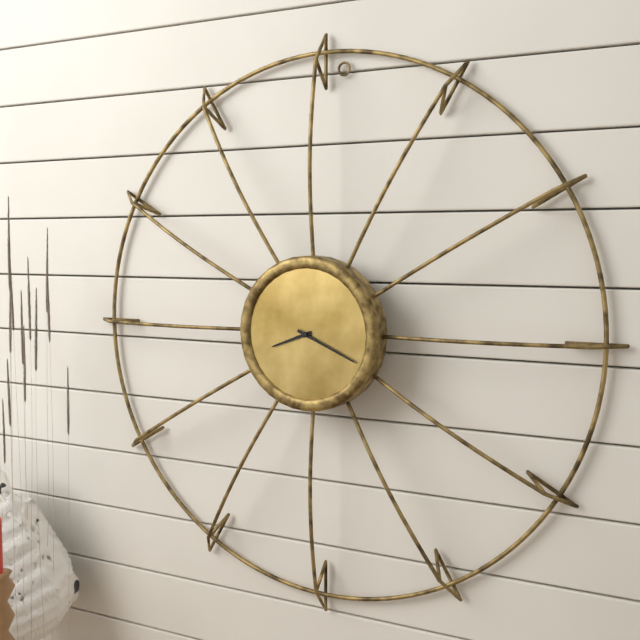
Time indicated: 8:19
